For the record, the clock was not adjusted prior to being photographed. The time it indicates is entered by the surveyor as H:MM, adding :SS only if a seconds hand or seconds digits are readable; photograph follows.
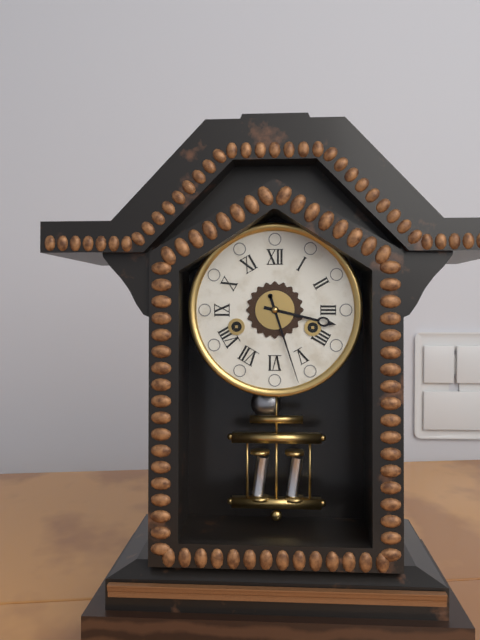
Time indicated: 3:27
